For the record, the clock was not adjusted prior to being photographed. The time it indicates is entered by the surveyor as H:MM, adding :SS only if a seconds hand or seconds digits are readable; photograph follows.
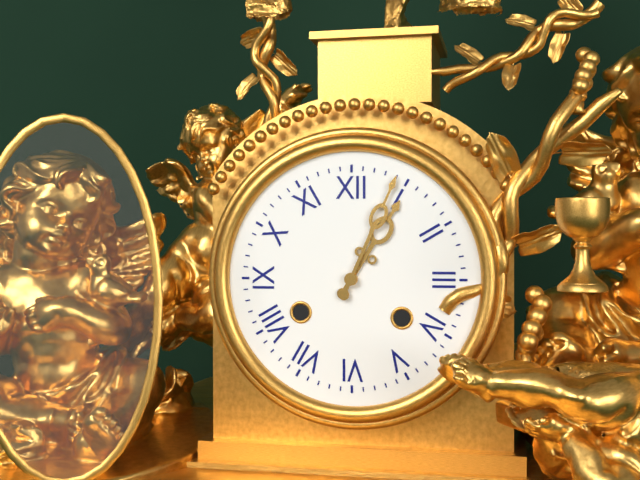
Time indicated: 1:04
